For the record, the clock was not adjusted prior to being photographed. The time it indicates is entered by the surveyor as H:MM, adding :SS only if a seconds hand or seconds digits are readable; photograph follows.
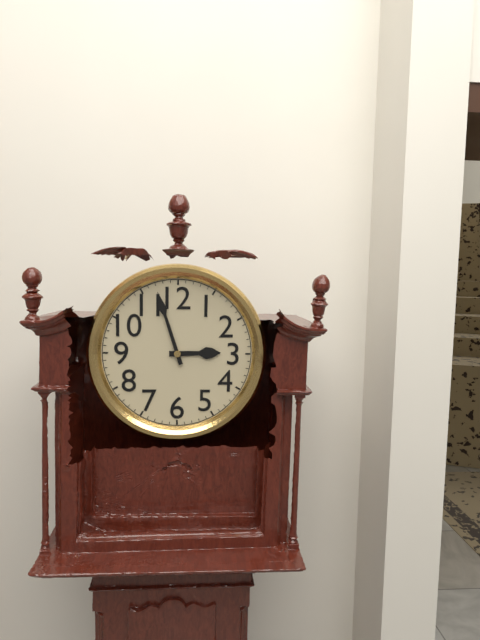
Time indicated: 2:57
